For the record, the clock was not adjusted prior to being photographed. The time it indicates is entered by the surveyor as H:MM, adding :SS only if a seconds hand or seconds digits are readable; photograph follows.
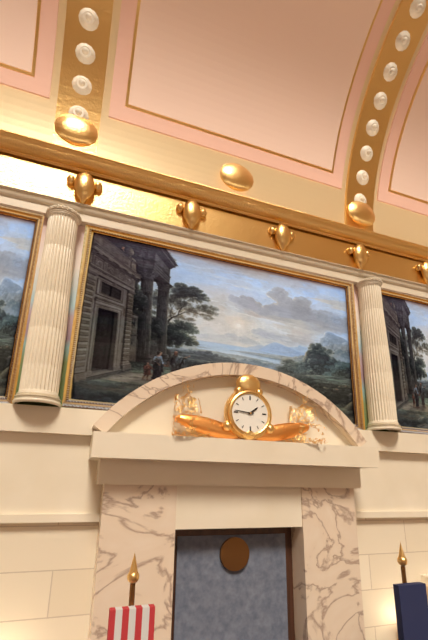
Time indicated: 1:46
